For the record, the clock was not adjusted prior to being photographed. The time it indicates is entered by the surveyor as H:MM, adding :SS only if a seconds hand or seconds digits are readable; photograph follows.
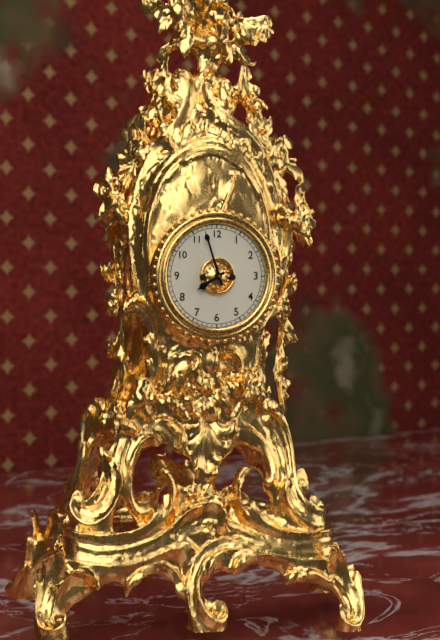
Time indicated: 7:57
